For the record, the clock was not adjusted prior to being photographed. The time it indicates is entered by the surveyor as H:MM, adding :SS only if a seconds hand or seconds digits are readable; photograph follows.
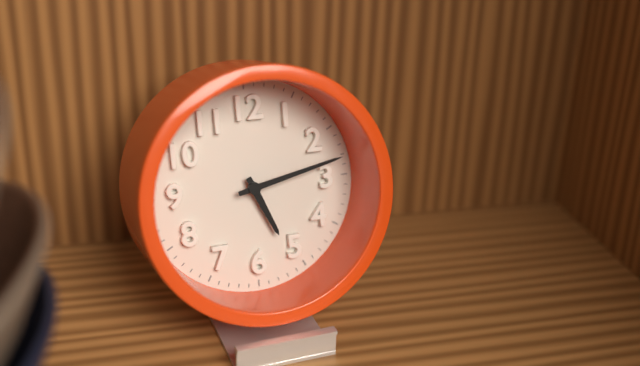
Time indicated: 5:13
